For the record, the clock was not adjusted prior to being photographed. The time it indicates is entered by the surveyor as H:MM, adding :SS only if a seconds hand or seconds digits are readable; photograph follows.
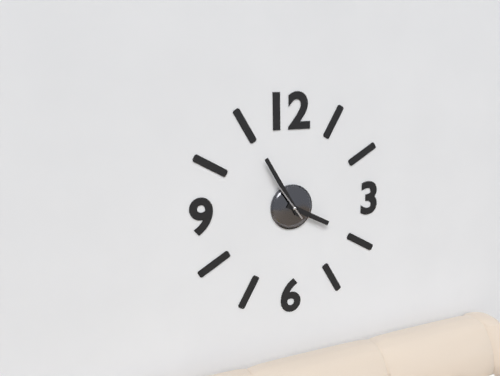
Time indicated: 3:55:54
